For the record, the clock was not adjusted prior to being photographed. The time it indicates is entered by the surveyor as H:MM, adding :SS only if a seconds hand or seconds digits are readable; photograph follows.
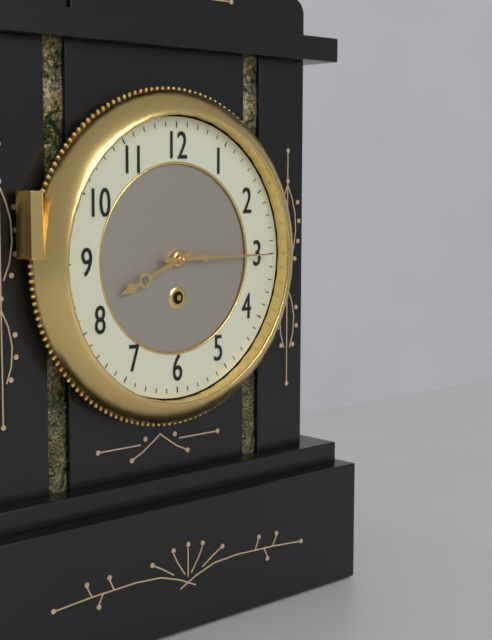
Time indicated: 8:15
